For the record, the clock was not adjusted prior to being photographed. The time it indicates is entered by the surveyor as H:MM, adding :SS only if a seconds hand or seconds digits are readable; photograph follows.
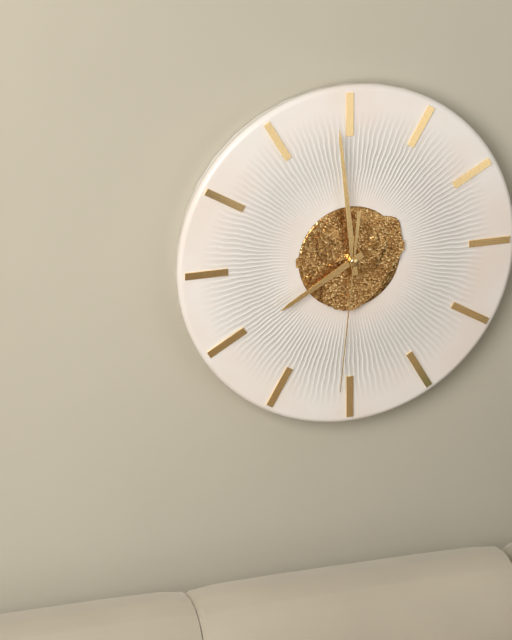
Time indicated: 7:59:31
